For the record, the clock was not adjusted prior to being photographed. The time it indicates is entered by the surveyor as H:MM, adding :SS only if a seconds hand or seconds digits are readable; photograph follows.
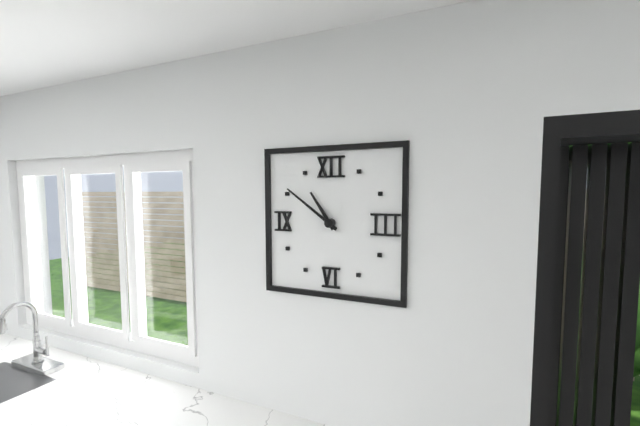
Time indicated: 10:51
